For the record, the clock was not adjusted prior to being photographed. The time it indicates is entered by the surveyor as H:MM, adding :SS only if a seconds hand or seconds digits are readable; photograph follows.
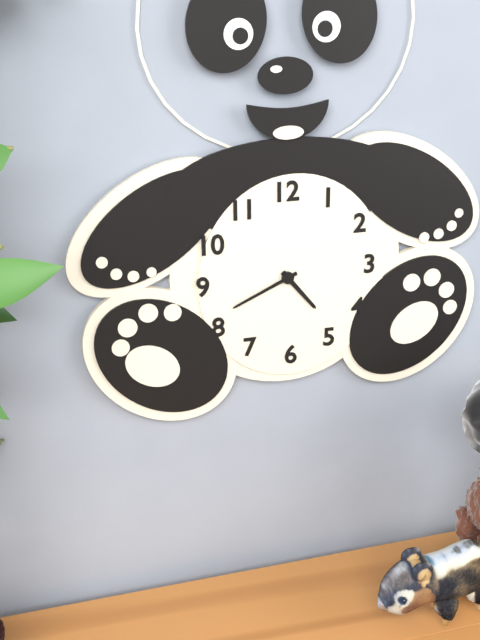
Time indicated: 4:41
